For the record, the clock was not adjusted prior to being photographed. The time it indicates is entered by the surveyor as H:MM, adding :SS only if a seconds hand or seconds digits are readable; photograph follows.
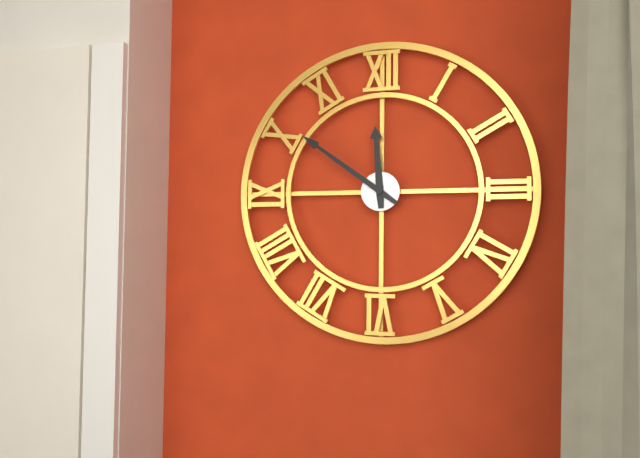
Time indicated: 11:51
